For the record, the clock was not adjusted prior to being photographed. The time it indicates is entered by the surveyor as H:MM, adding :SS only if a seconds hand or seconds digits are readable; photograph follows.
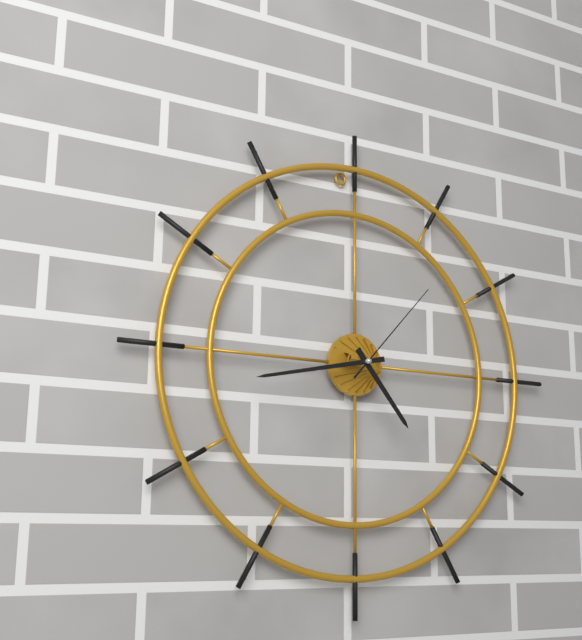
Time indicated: 4:43:07
